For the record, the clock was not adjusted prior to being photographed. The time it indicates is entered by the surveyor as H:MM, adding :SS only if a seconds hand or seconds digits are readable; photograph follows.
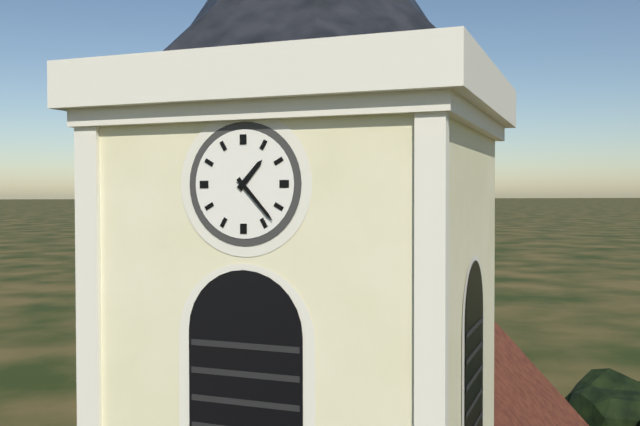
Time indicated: 1:23
